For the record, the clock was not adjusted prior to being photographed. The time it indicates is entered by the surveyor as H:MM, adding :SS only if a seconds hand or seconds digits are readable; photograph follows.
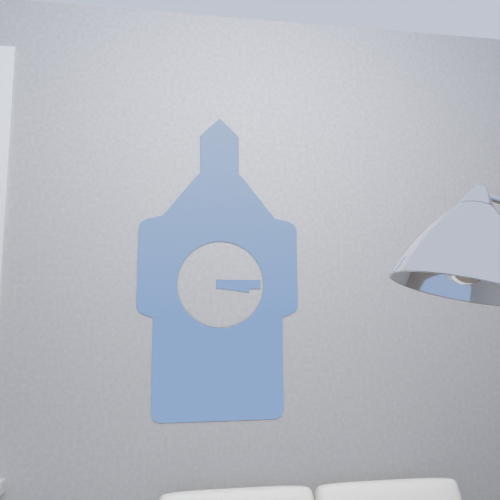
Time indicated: 3:15
